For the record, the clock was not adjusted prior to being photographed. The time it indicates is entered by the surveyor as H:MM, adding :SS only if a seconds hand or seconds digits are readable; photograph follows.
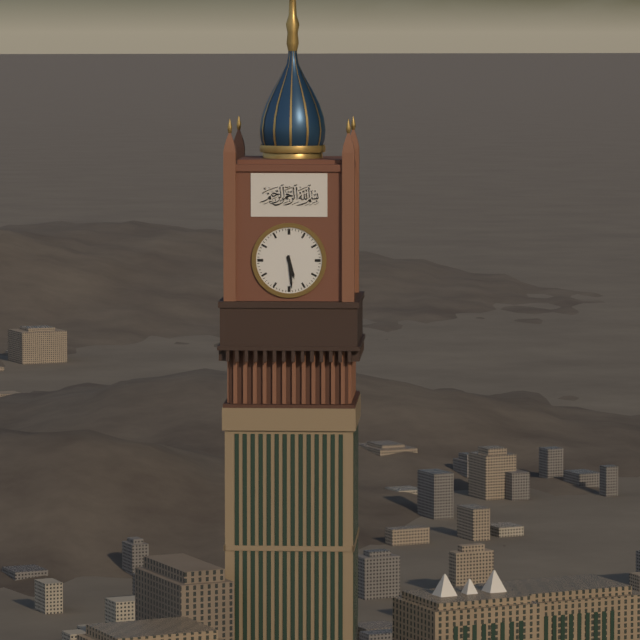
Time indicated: 5:29
